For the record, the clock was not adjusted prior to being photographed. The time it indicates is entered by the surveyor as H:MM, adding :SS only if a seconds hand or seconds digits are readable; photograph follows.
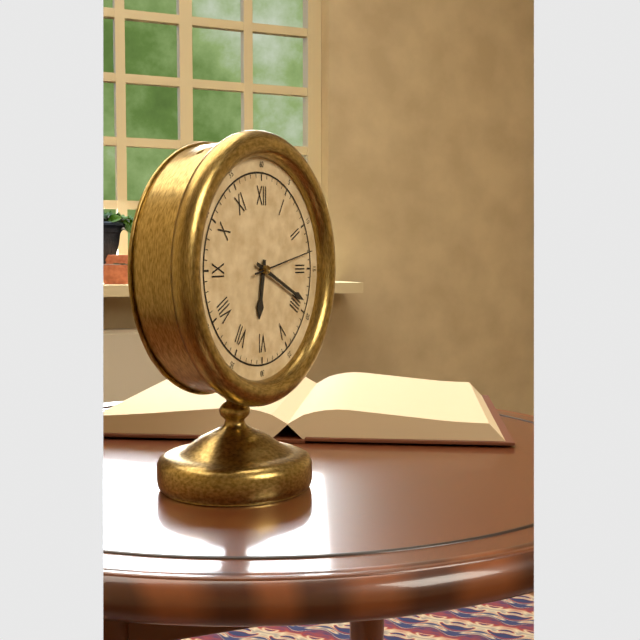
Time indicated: 6:19:13
